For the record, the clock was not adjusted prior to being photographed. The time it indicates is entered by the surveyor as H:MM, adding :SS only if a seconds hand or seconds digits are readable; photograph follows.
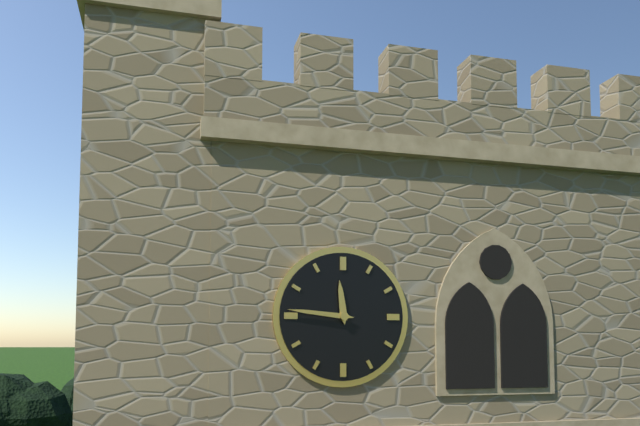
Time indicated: 11:46
